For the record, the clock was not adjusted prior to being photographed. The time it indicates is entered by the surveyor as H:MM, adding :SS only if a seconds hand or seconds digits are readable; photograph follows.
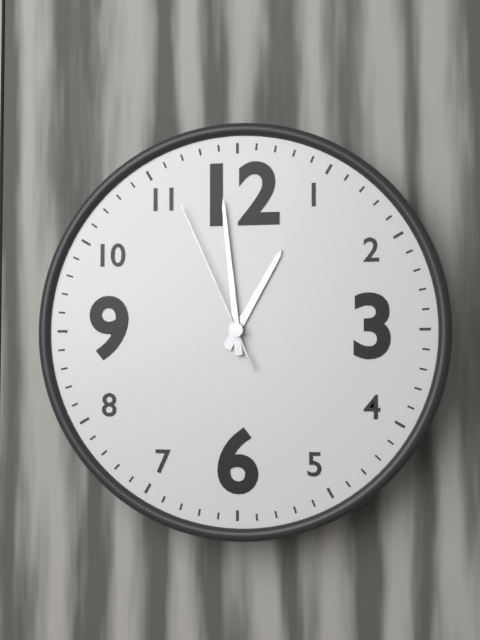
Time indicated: 12:59:56
